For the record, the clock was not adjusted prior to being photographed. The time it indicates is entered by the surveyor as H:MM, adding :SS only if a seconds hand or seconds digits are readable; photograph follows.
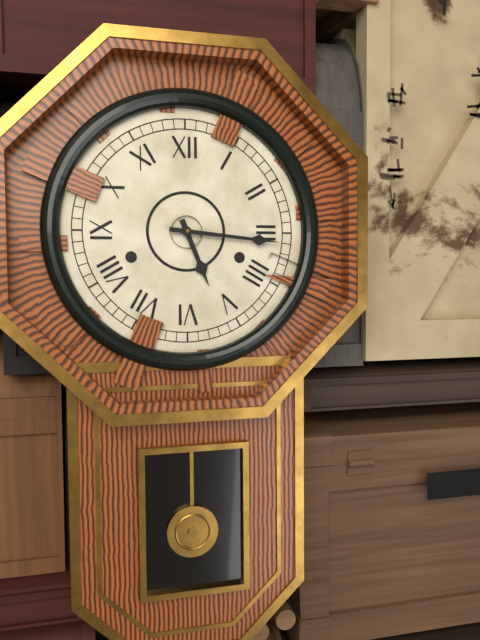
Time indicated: 5:16
